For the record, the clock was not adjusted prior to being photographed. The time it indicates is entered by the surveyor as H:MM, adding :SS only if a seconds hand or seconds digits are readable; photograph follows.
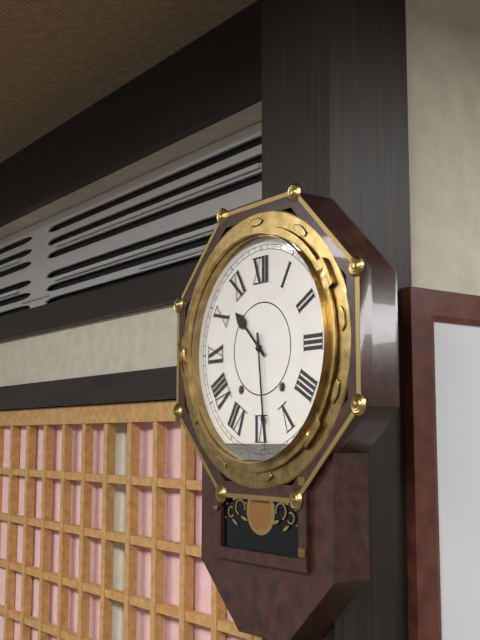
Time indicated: 10:29
